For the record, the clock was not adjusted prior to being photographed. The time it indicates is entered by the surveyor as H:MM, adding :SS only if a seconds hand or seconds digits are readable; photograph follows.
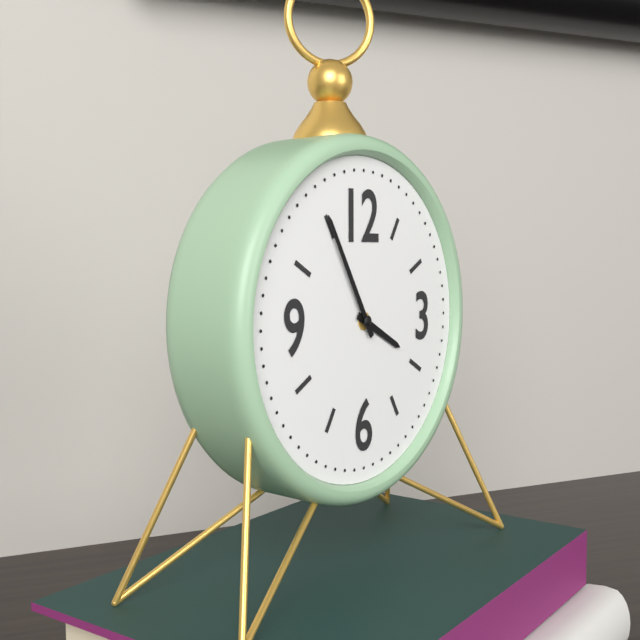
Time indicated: 3:55
